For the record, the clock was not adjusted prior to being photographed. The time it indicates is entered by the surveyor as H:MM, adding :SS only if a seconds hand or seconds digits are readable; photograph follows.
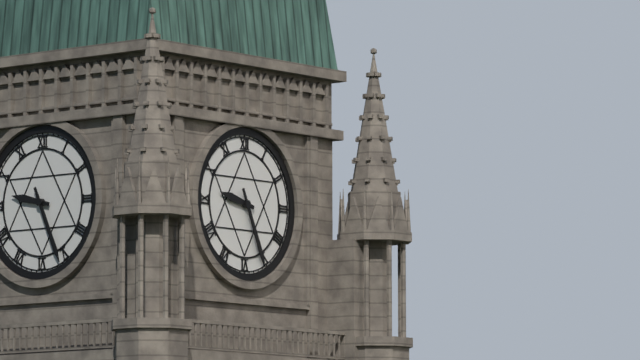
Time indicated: 9:26
